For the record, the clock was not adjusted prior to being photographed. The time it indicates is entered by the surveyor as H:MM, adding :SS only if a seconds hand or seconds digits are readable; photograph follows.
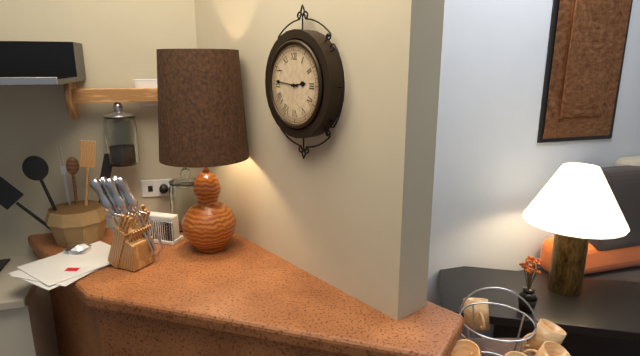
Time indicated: 2:46
